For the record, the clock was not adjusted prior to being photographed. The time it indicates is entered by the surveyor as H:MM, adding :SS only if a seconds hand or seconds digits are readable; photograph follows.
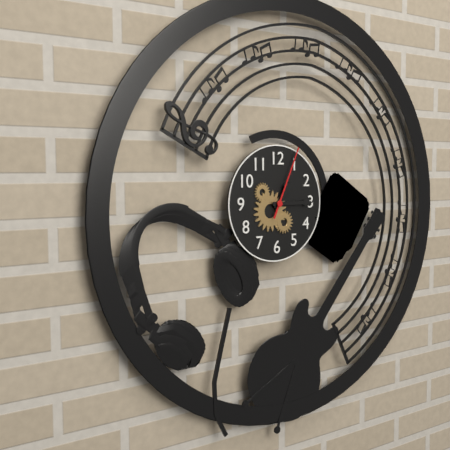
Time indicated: 1:15:04
